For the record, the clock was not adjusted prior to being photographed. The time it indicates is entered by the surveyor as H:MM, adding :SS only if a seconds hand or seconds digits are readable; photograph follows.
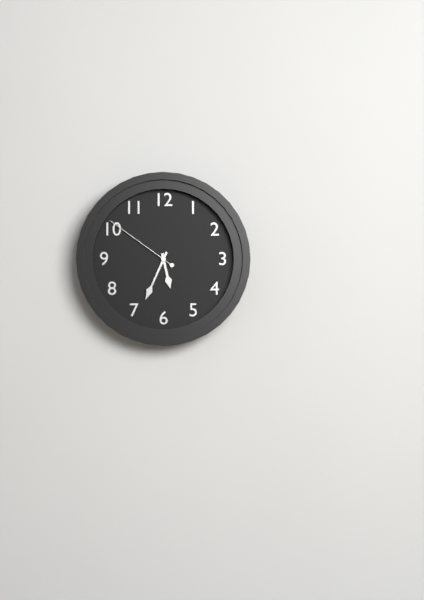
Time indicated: 5:34:51
